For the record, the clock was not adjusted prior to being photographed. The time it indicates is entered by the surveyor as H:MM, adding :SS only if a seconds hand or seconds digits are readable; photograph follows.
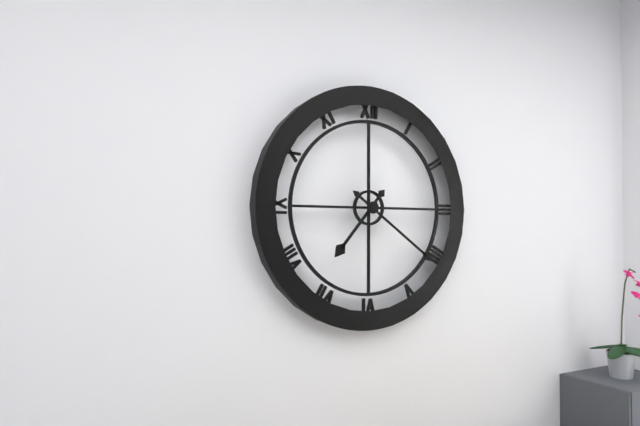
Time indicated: 7:21
